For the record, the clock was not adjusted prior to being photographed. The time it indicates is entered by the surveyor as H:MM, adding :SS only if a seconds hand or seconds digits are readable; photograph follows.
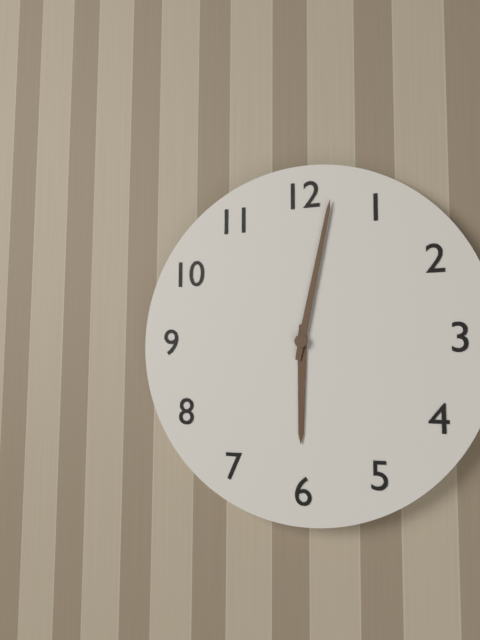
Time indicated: 6:02
